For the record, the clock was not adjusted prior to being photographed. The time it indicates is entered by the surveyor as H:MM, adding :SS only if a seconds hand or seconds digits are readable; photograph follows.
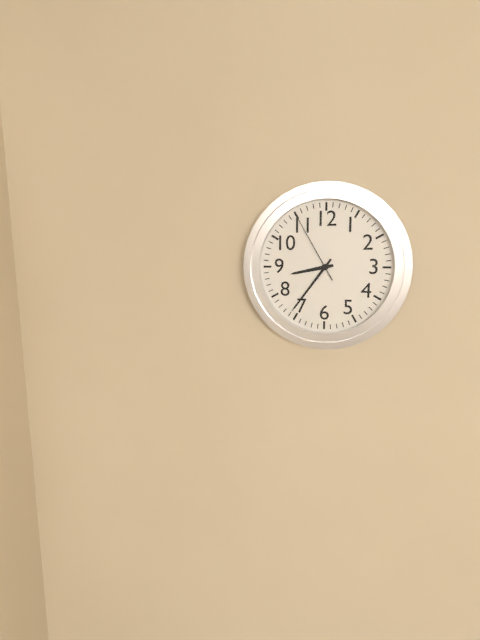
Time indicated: 8:36:55
